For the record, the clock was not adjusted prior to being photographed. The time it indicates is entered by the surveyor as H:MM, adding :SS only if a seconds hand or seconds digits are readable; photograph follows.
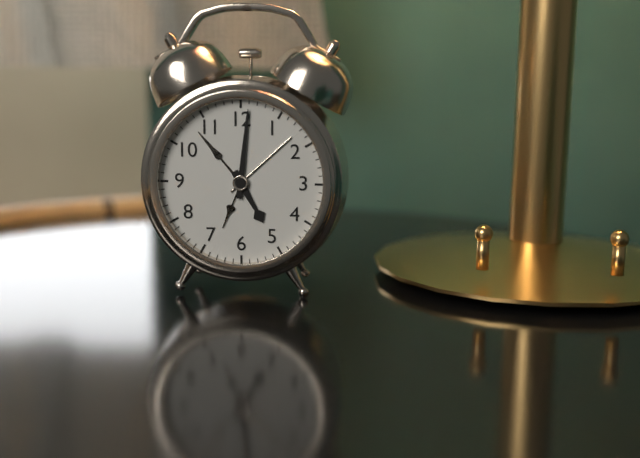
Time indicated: 5:01
